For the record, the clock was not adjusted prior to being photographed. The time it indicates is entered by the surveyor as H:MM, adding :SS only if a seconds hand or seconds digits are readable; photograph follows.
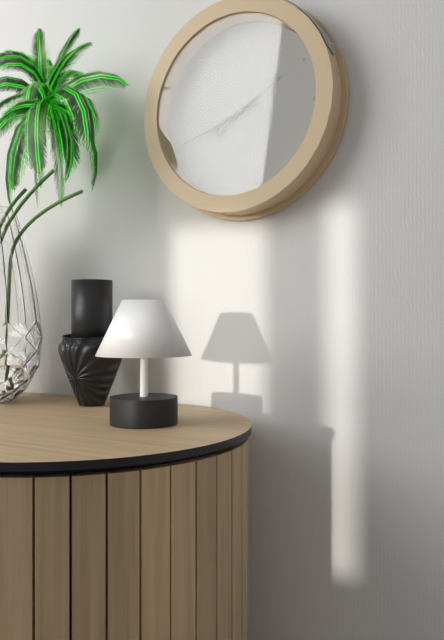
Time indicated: 7:42:10
